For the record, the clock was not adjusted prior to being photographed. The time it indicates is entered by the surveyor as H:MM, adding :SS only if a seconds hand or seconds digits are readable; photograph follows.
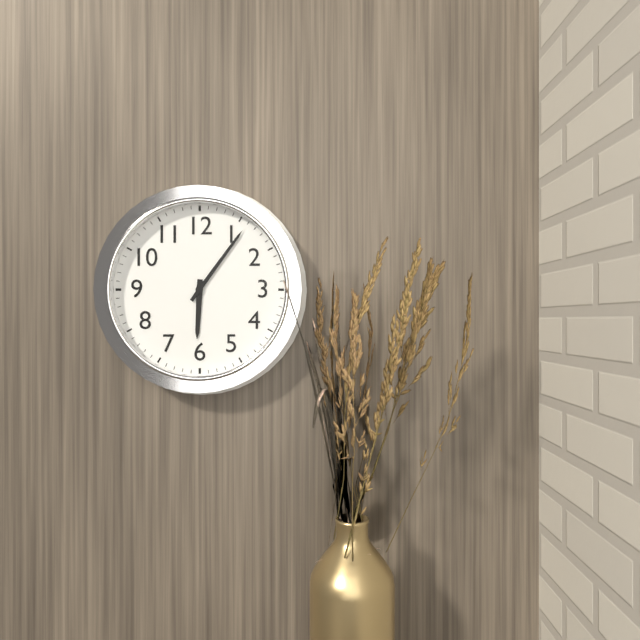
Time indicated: 6:06
